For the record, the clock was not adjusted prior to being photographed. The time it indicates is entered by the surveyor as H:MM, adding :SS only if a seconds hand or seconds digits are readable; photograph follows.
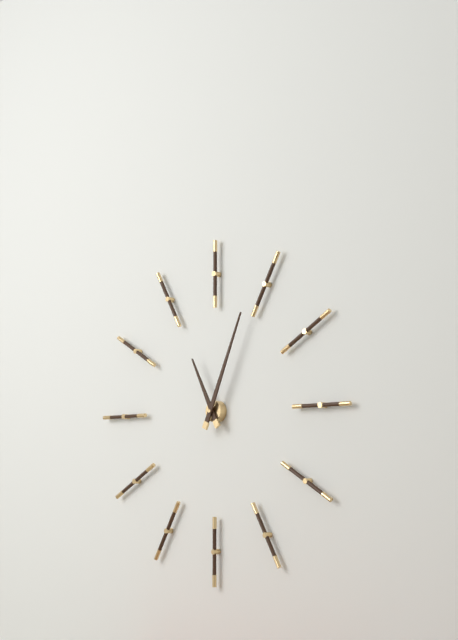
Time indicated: 11:04
